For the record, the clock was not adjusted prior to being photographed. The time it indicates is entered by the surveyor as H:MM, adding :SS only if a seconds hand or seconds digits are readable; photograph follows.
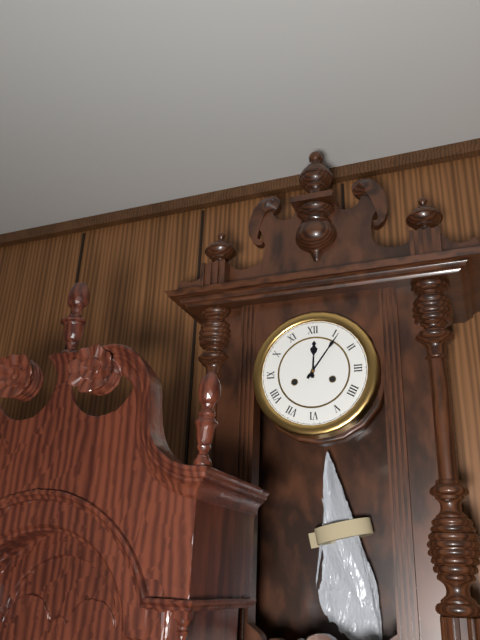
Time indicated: 12:06
